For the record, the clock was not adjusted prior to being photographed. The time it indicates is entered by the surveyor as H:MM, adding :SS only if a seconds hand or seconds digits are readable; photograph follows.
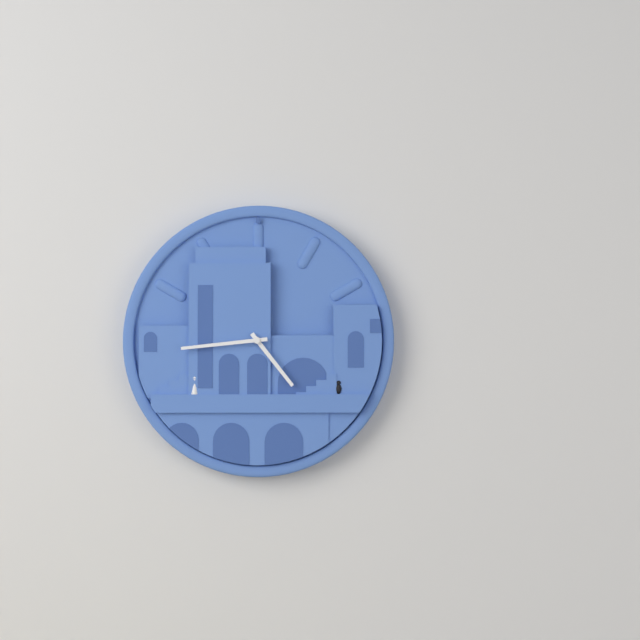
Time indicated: 4:44
